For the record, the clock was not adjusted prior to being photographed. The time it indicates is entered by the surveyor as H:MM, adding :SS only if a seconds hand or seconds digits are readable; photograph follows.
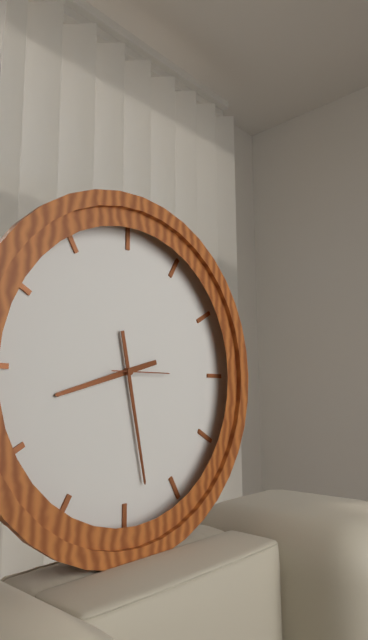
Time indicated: 8:28:15
